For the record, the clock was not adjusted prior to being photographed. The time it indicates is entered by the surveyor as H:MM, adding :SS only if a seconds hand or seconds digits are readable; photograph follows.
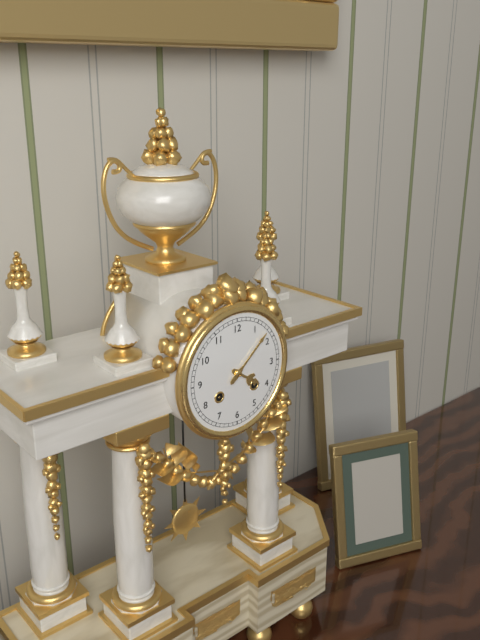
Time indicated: 4:08
